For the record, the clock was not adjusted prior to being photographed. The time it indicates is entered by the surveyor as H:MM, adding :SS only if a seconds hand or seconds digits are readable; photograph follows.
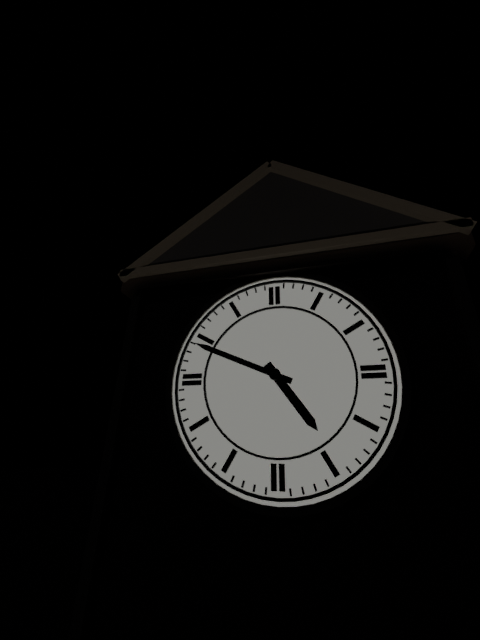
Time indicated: 4:49
